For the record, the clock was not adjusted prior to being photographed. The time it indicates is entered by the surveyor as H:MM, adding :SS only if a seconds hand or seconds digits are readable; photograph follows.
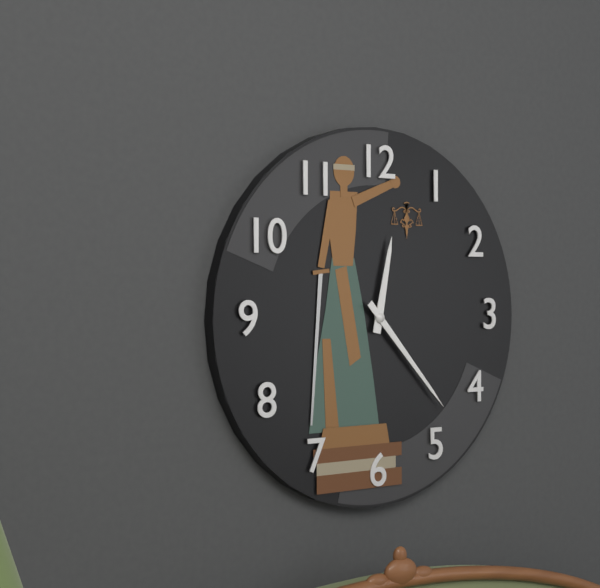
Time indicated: 12:23
